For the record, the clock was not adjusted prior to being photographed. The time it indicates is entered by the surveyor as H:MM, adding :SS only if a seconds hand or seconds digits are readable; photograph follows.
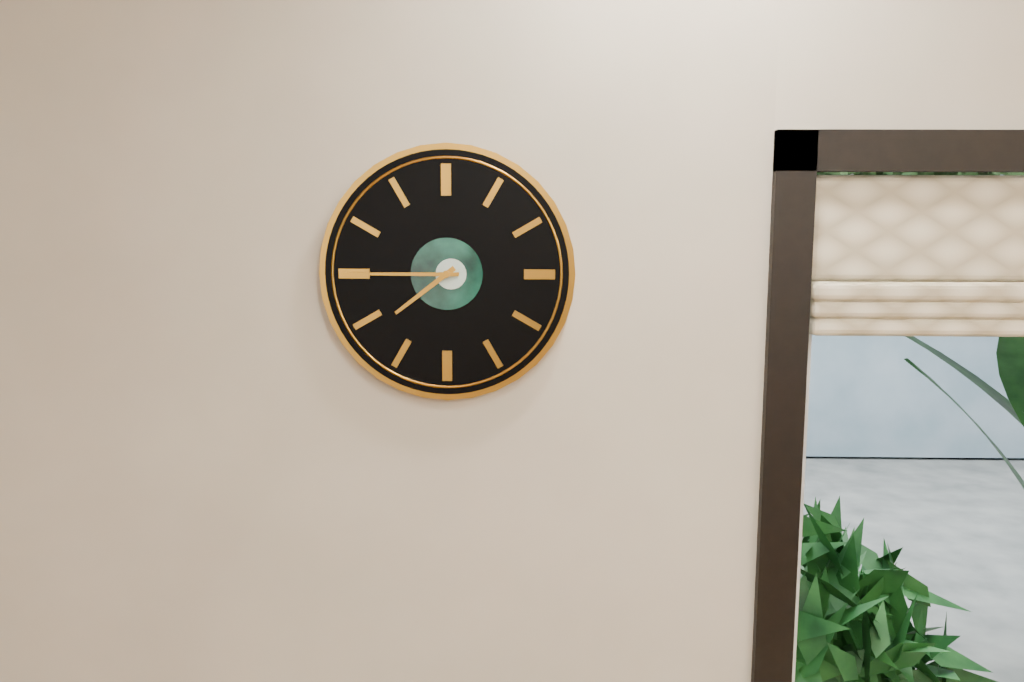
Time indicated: 7:45
